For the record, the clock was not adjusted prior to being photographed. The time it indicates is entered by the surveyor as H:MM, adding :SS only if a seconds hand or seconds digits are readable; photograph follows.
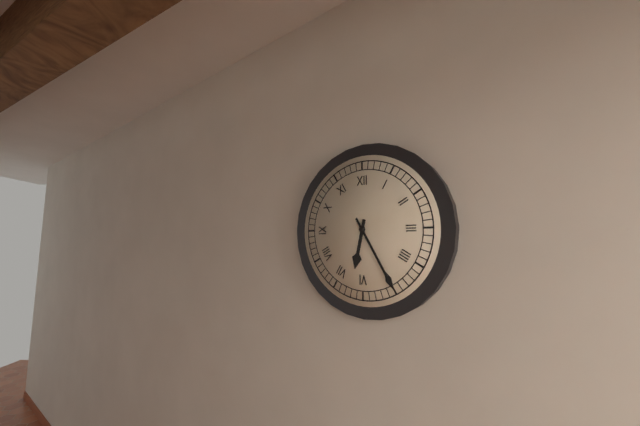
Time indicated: 6:25
